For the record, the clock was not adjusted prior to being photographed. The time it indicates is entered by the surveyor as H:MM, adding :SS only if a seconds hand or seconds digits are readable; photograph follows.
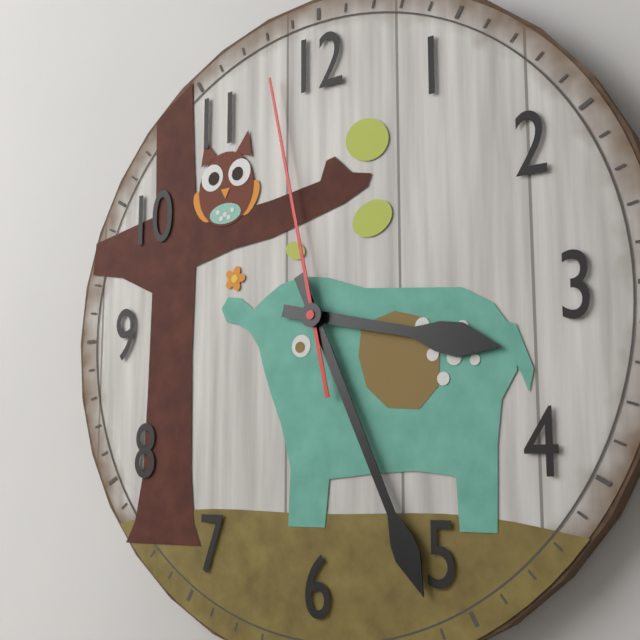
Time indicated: 3:26:58
